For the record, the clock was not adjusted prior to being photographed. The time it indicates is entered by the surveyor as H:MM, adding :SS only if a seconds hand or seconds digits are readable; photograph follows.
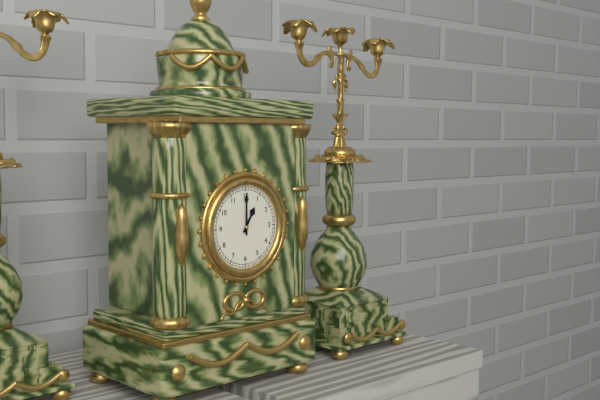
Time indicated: 1:00
